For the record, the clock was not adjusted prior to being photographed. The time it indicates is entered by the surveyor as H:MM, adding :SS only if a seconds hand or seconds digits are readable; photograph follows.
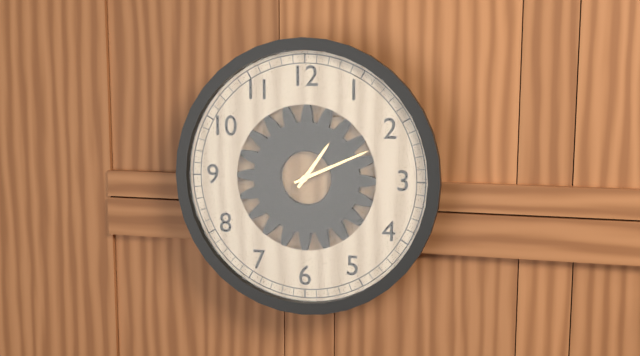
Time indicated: 1:11
